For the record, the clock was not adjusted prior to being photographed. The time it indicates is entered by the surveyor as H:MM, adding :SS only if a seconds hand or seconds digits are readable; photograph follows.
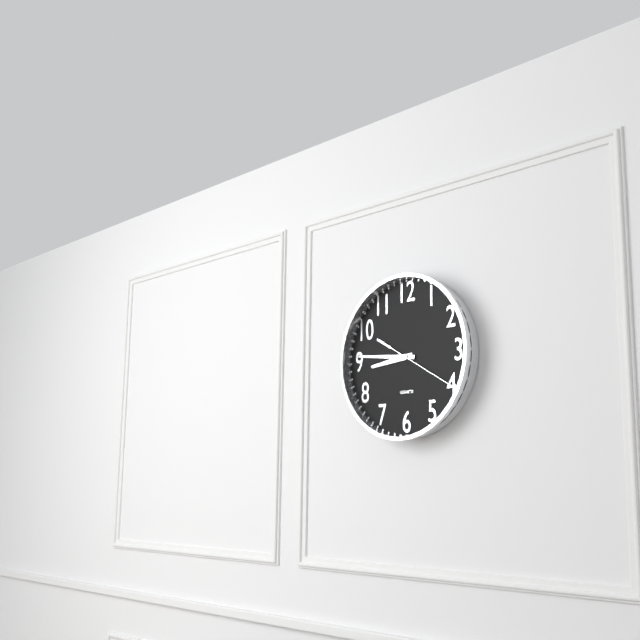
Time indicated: 8:46:20
